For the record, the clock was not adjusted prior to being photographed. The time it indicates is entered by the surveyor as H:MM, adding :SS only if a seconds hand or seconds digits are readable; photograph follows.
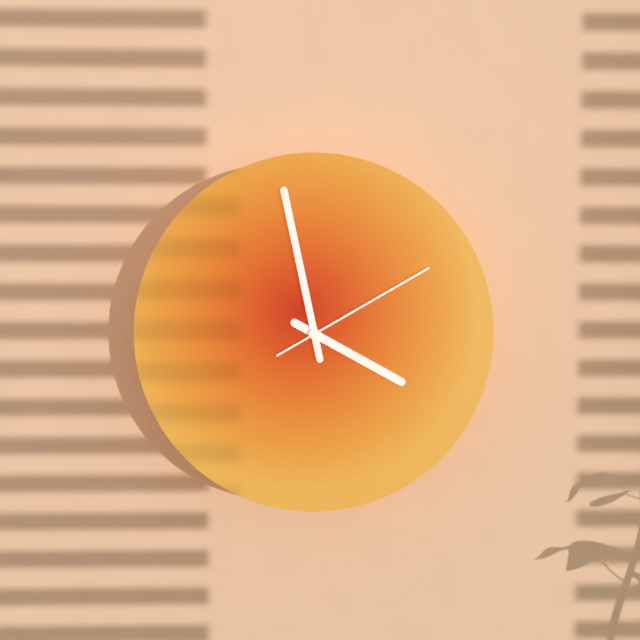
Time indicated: 3:58:10
